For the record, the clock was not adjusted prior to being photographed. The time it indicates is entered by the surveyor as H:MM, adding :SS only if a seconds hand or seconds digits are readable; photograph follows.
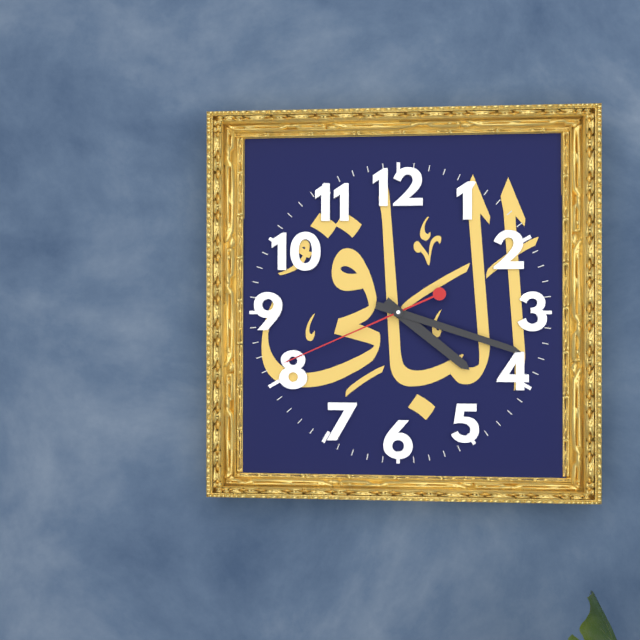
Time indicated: 4:18:41
